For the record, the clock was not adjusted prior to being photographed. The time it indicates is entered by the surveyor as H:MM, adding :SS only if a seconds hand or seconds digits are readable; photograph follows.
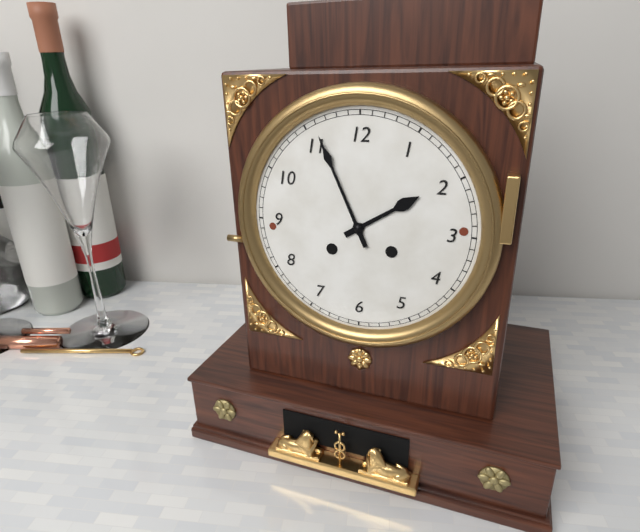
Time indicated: 1:56
